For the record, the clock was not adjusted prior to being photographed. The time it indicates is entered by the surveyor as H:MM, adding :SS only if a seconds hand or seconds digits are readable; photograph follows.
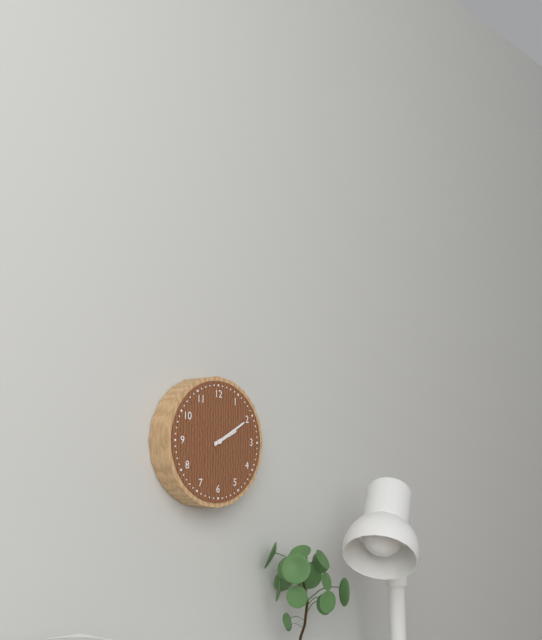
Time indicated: 2:10
